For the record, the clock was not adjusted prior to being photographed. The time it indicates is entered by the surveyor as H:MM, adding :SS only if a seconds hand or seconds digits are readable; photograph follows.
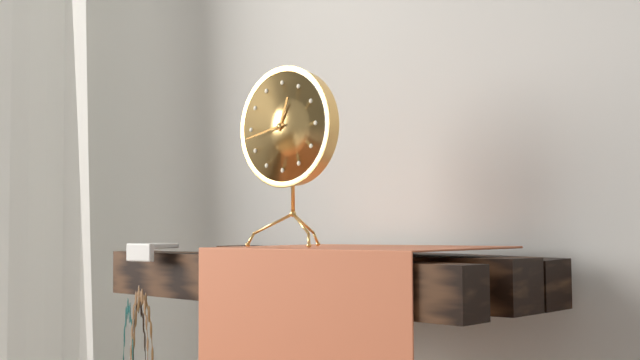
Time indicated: 12:43
